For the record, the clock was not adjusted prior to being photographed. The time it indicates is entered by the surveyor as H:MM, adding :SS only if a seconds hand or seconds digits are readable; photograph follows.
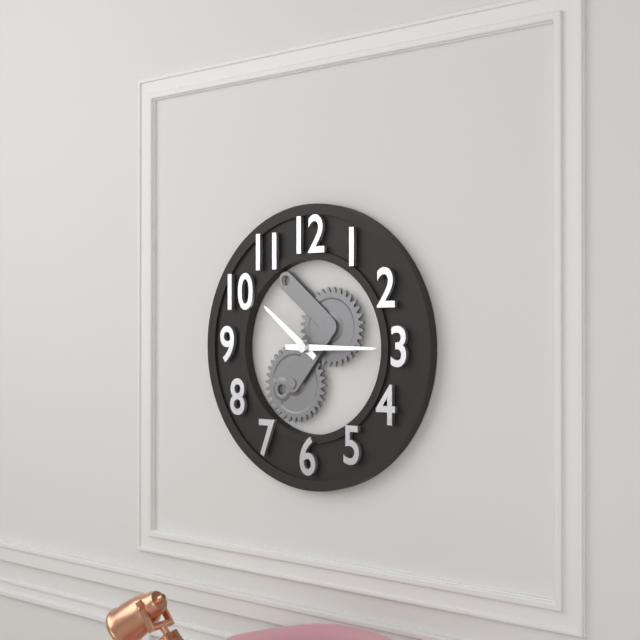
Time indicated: 10:15
